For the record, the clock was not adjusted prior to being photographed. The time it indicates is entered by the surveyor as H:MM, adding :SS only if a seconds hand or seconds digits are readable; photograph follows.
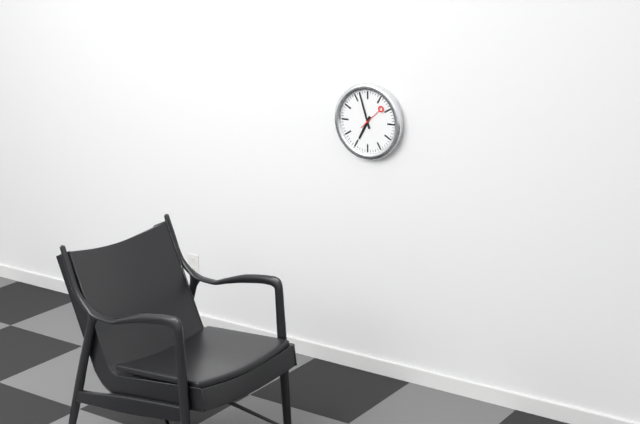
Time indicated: 6:57
